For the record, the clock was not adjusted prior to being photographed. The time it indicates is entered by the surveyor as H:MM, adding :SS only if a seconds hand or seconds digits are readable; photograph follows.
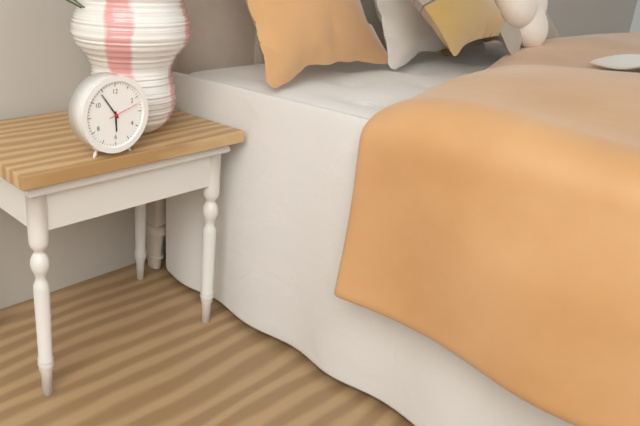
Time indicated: 5:54
